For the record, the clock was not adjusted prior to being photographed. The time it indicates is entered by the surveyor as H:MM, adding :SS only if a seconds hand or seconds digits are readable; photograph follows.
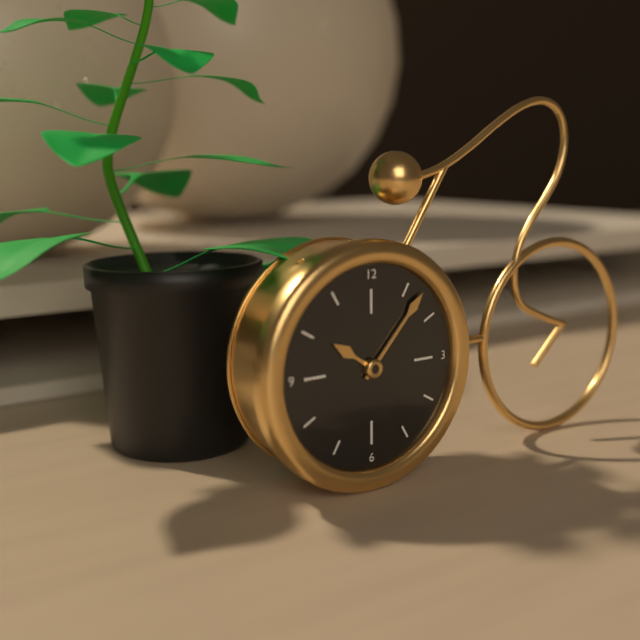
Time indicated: 10:07
